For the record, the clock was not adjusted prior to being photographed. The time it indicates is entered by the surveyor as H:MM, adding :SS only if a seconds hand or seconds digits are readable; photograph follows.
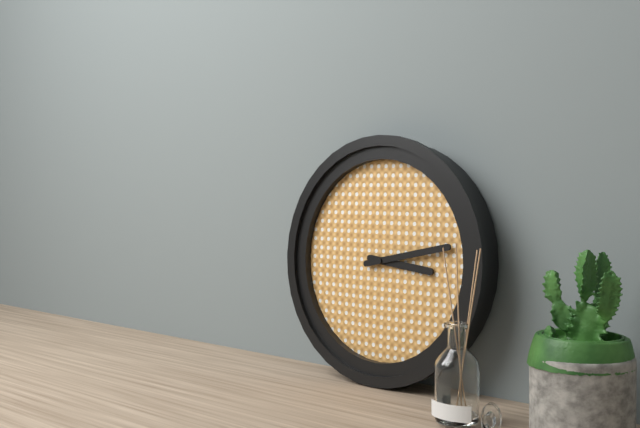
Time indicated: 3:13
